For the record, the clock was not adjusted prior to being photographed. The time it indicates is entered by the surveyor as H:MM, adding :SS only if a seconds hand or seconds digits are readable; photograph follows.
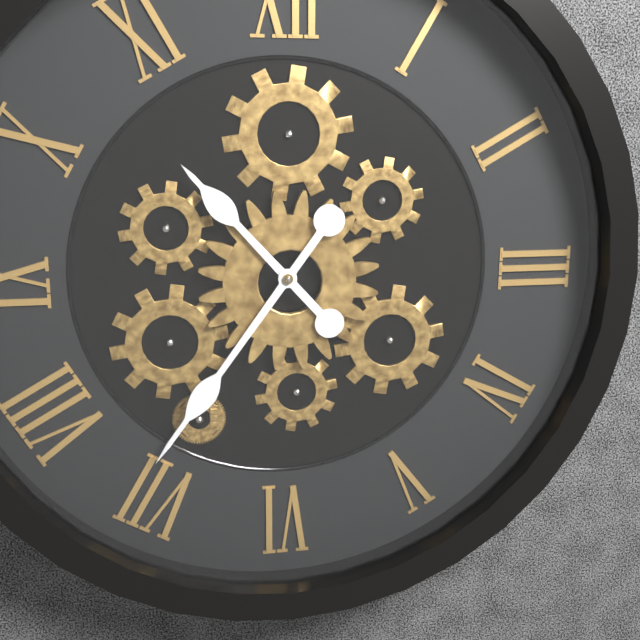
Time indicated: 10:36
